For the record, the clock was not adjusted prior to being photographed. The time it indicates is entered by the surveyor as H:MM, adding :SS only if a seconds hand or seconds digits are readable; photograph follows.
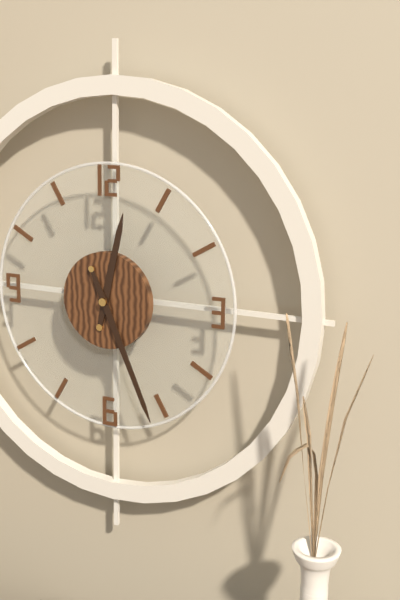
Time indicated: 12:26
